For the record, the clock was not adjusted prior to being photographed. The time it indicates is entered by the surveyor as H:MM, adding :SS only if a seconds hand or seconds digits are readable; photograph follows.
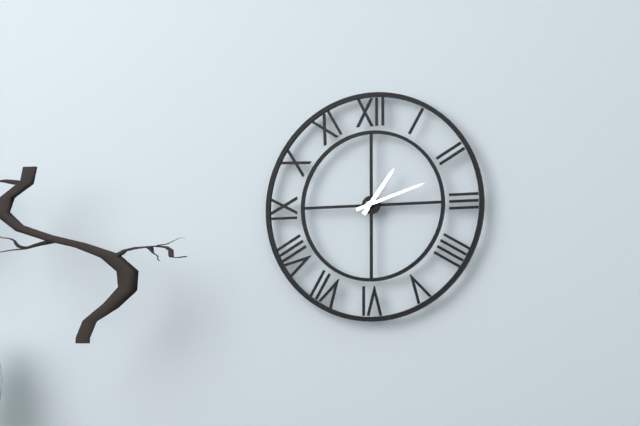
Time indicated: 1:12
